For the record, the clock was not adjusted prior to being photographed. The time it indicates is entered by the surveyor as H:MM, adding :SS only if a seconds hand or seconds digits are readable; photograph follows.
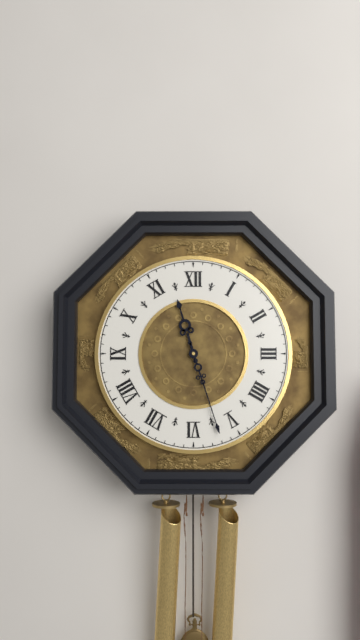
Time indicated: 11:27
